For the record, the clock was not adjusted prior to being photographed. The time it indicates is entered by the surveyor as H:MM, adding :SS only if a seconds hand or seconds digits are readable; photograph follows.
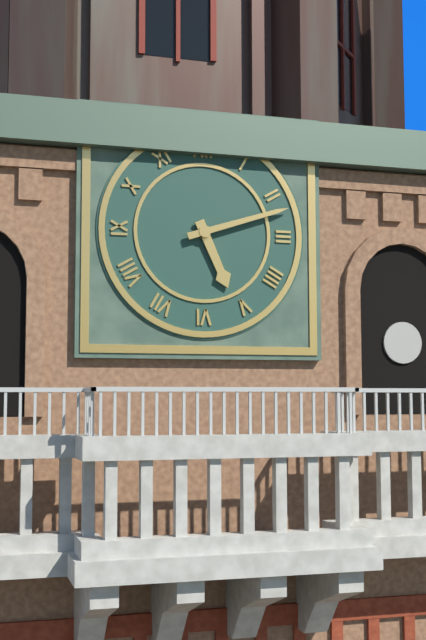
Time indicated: 5:12
